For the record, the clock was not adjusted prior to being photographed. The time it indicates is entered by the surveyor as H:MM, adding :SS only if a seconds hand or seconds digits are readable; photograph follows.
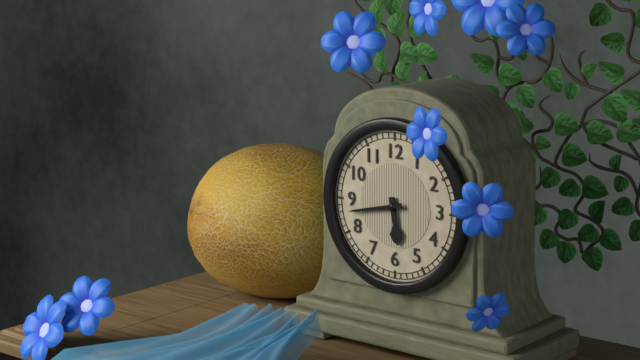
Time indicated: 5:43
